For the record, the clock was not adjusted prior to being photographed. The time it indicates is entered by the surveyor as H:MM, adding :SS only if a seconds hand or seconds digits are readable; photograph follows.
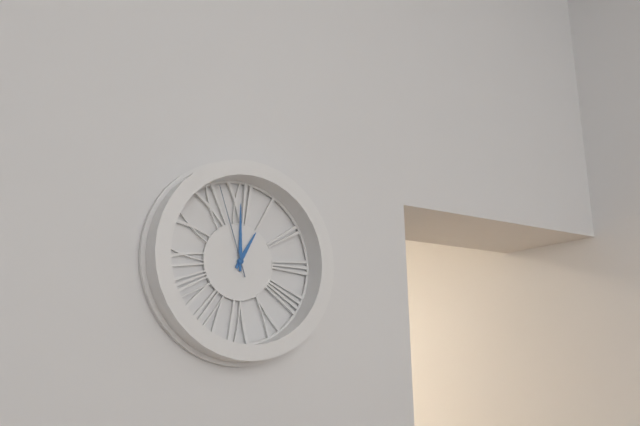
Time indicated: 1:00:57
